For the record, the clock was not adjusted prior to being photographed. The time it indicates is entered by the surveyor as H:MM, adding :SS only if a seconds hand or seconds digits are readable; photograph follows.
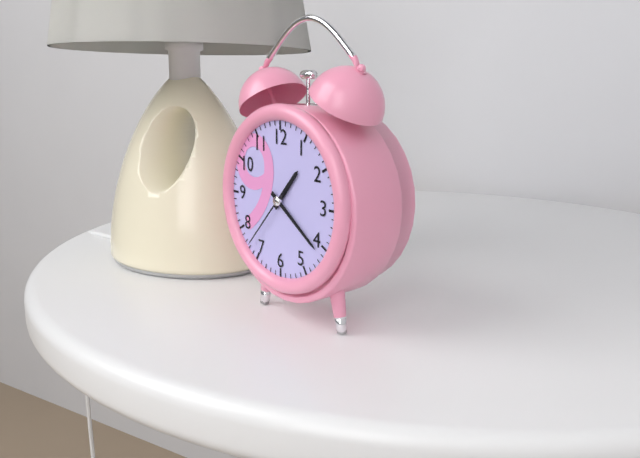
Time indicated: 1:21:37
